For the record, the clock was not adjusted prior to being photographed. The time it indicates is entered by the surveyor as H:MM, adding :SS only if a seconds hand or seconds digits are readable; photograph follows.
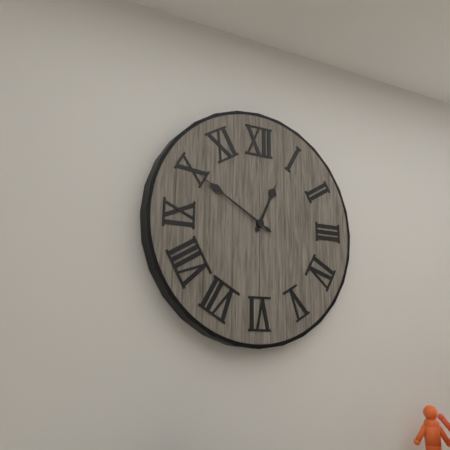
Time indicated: 12:50
